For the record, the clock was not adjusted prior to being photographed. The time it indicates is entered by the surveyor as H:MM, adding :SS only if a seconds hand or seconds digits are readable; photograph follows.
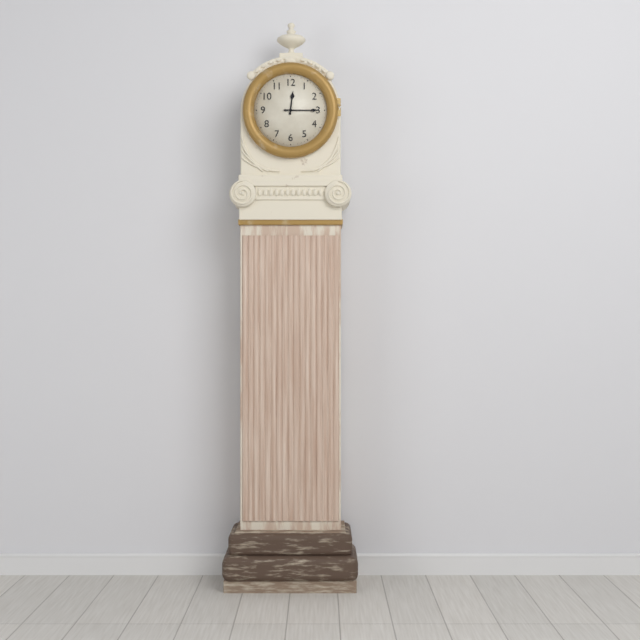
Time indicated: 12:15
